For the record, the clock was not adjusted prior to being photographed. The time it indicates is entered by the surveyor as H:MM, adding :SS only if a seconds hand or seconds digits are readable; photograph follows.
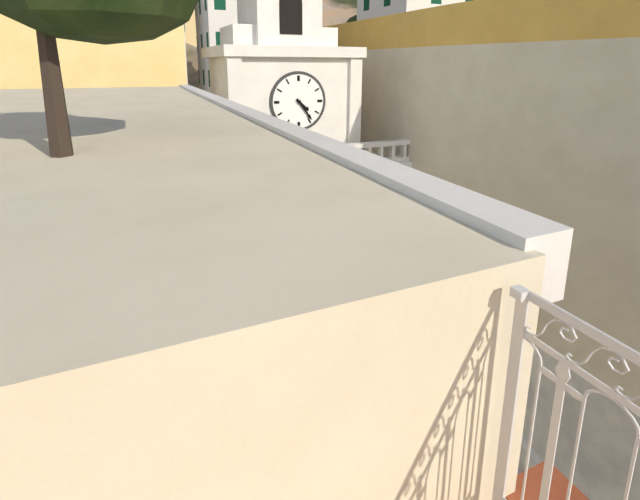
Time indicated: 4:24
